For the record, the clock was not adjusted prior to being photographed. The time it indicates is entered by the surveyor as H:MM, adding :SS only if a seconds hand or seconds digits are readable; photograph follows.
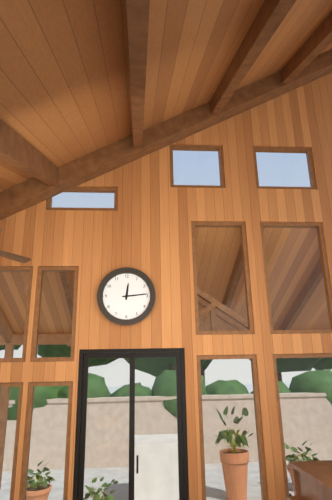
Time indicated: 12:14
